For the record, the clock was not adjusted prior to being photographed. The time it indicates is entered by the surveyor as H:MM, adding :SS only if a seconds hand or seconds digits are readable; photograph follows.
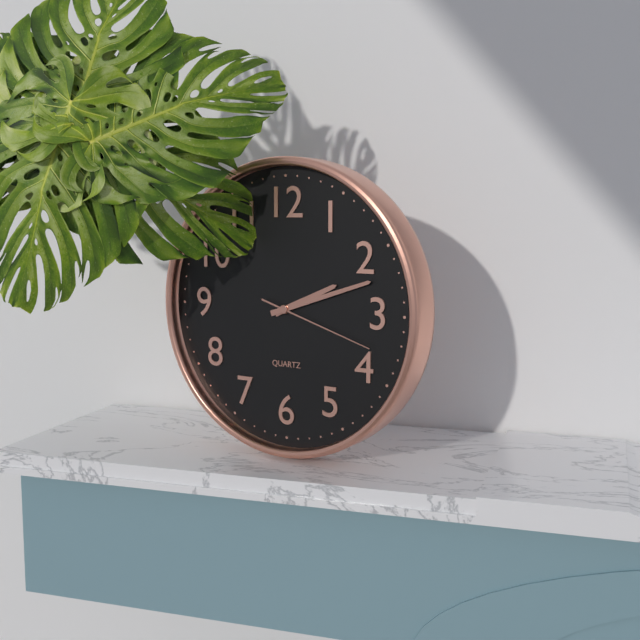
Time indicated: 2:12:18
